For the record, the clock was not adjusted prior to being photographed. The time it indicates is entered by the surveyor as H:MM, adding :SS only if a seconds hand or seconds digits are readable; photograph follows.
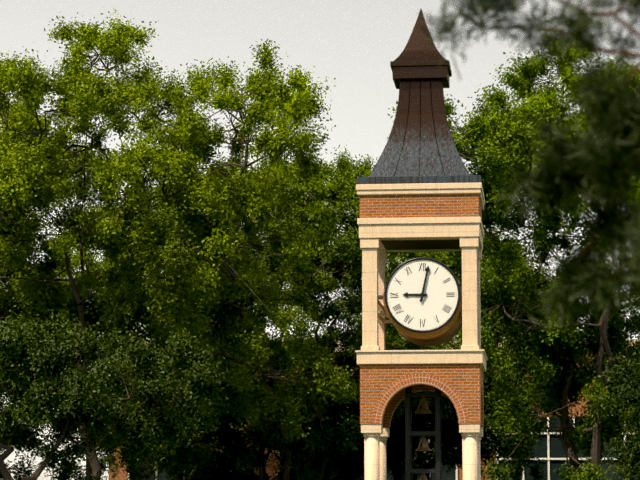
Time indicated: 9:02
